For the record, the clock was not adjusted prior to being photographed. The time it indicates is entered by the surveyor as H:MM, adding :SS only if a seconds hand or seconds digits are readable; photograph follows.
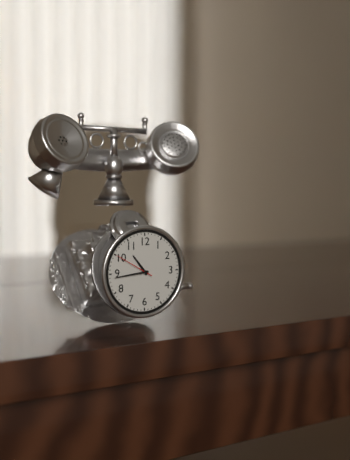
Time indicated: 10:44
